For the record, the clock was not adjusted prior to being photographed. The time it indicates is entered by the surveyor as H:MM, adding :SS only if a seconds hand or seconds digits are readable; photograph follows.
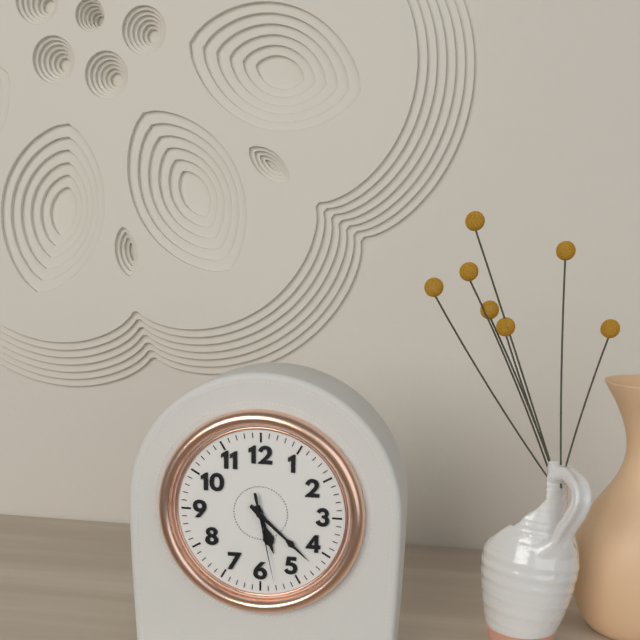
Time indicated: 5:22:28
